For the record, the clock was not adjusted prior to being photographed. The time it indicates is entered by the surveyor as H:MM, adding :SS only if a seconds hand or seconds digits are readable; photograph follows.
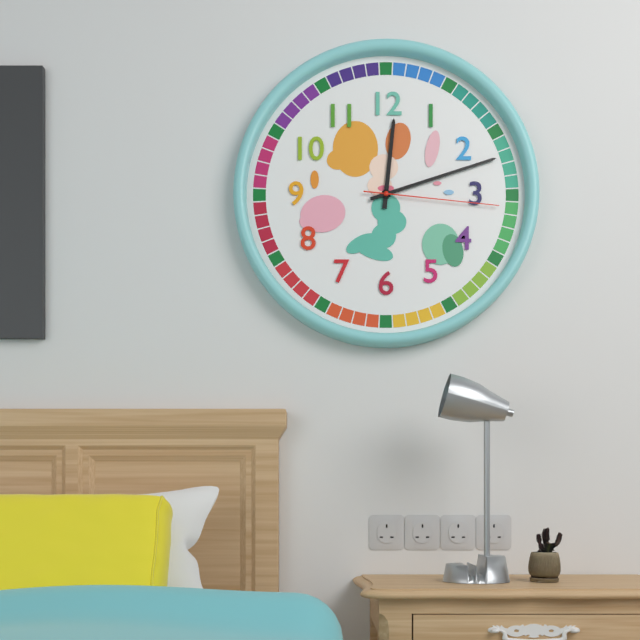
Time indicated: 12:12:16
